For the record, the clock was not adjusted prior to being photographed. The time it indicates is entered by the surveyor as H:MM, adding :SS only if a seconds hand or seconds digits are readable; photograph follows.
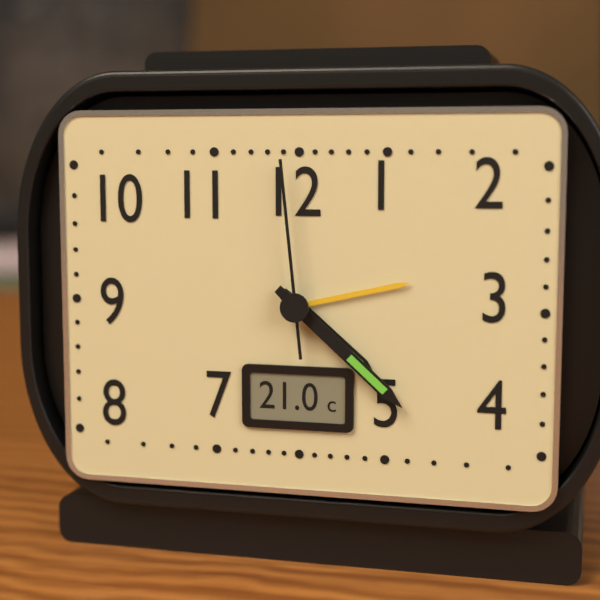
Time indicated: 4:22:59
